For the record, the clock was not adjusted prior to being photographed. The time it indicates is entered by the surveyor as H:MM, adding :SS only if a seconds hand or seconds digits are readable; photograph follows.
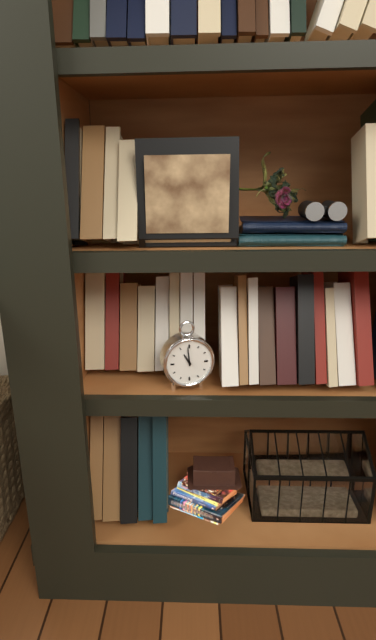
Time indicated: 10:59
